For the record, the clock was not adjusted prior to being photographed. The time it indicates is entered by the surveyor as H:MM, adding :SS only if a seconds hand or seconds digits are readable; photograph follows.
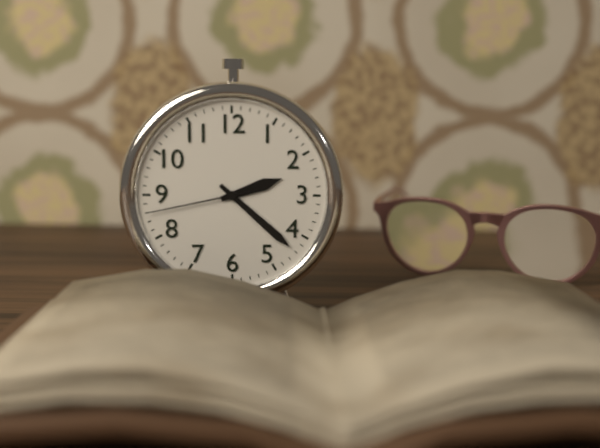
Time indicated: 2:22:43
